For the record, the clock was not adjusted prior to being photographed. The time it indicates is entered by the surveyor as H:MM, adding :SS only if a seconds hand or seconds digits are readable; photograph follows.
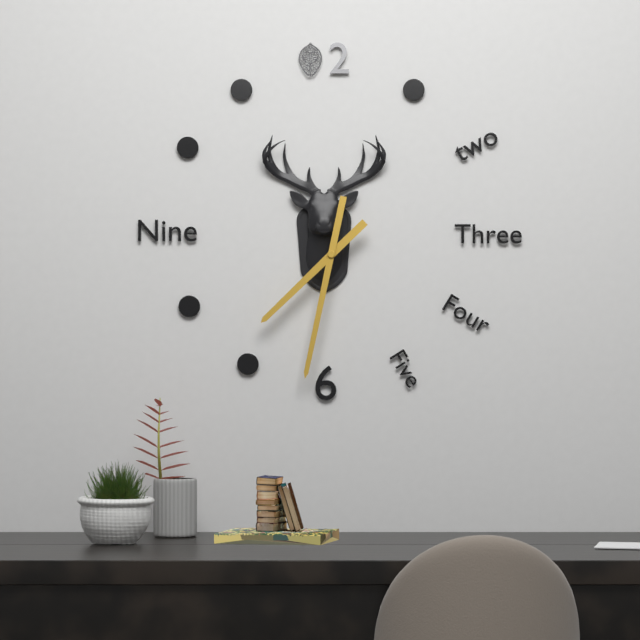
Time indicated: 7:32
